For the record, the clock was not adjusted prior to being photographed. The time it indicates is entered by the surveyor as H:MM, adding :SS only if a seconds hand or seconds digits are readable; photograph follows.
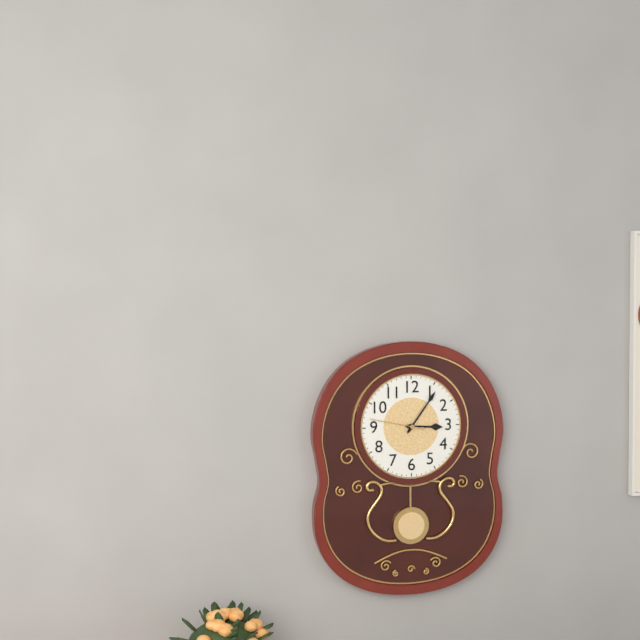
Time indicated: 3:06
